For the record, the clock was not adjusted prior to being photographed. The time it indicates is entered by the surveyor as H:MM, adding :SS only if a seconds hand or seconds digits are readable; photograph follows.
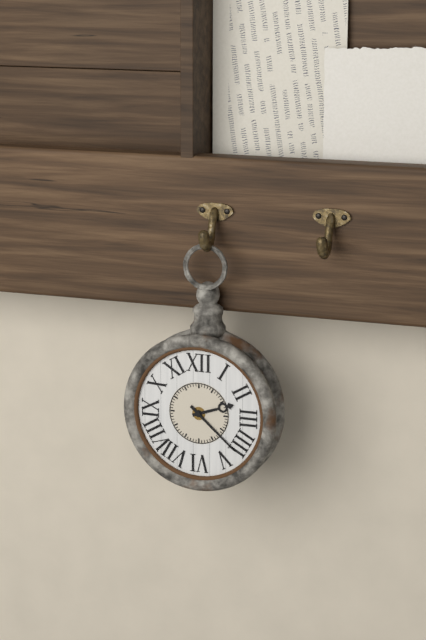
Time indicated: 2:22
